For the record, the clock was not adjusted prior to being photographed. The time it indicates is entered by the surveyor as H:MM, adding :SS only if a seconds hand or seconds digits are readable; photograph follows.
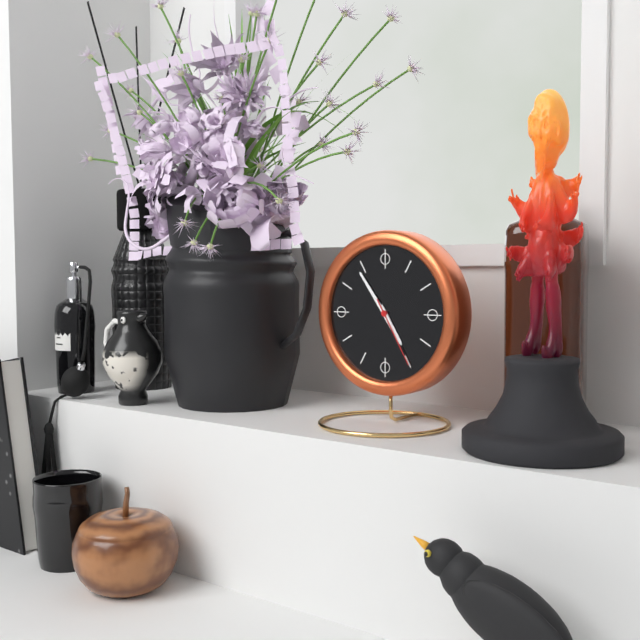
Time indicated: 4:54:25
